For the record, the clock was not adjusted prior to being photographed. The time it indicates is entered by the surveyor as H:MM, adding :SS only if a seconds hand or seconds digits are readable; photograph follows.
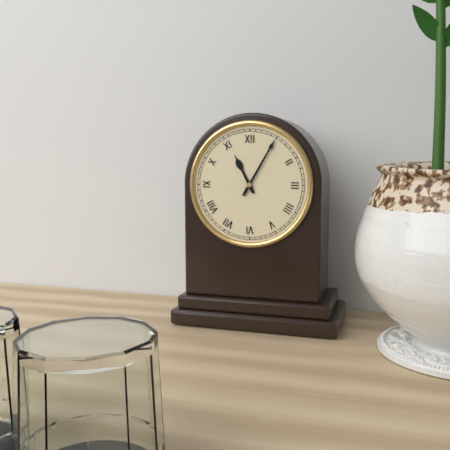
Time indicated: 11:05
